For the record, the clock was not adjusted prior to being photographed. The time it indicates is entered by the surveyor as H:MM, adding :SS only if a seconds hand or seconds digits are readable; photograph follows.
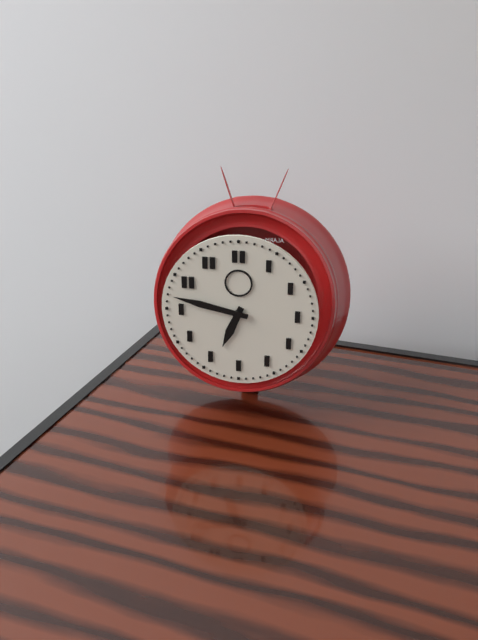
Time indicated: 6:47
